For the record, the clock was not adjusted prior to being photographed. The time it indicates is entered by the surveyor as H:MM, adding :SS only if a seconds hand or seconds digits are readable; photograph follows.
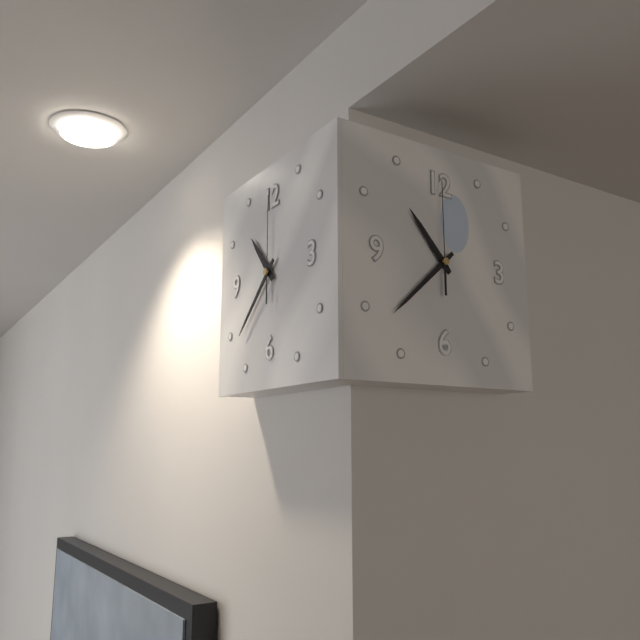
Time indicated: 10:38:00
